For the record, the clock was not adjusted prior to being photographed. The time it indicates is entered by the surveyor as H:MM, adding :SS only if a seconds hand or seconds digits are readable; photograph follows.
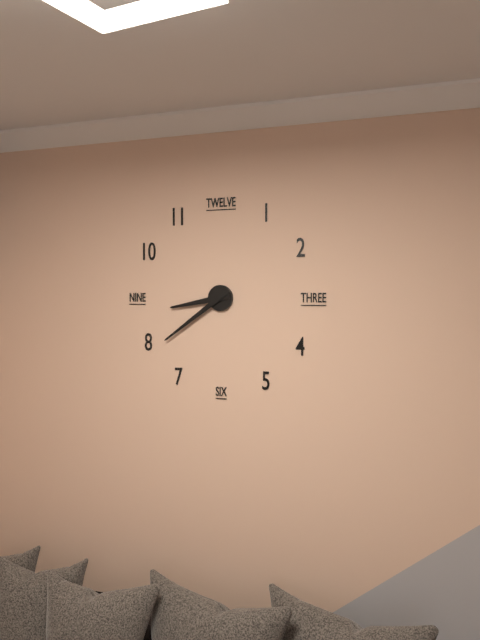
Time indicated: 8:39
